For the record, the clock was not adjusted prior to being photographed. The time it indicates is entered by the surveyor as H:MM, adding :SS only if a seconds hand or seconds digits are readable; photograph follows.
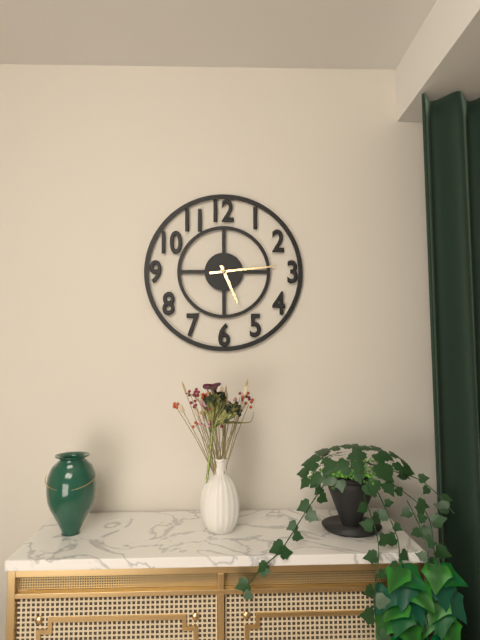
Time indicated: 5:14
